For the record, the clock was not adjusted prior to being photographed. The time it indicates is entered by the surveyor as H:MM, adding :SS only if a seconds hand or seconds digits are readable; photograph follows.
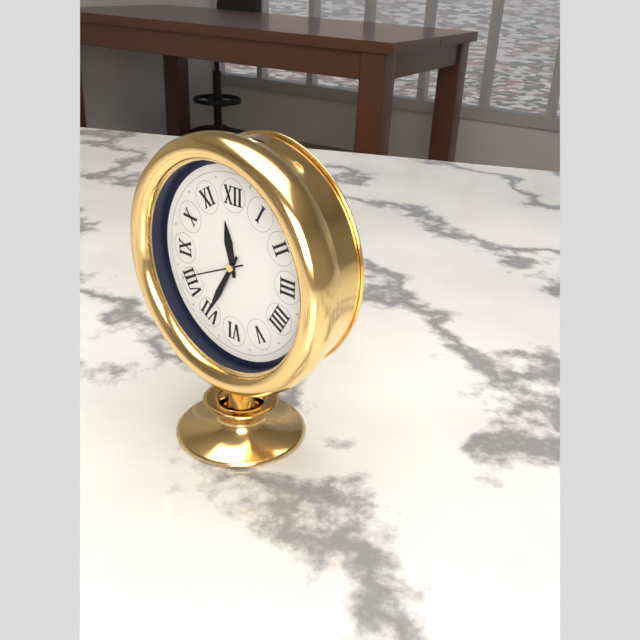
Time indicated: 11:35:41
